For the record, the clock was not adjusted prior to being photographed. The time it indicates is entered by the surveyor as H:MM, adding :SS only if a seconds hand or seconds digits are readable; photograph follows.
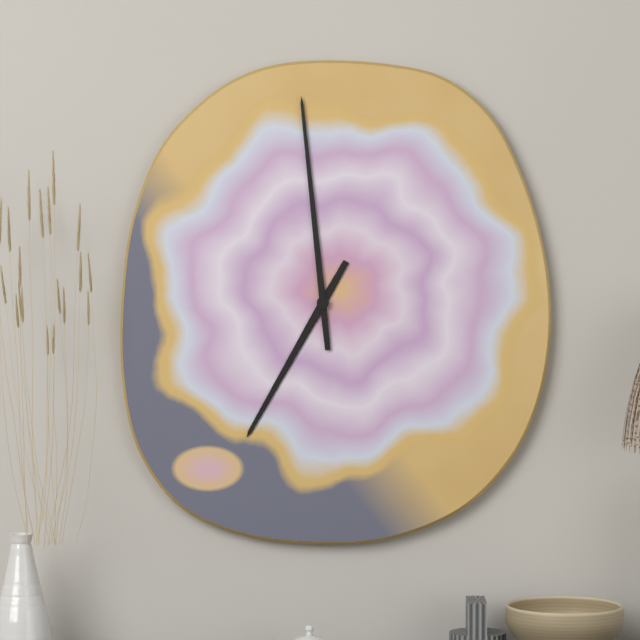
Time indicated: 6:59
